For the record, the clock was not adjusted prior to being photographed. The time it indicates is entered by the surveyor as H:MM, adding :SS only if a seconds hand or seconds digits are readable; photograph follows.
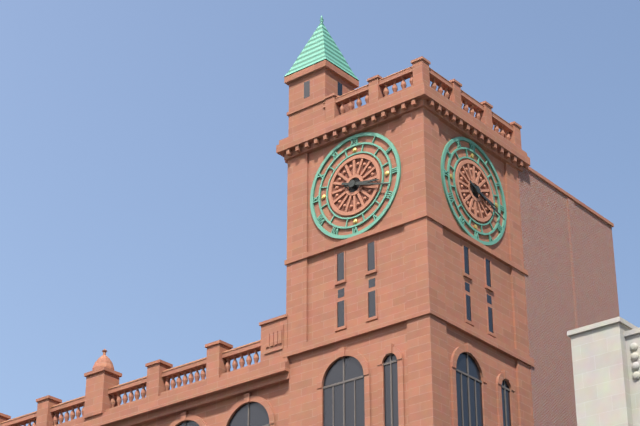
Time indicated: 3:18
